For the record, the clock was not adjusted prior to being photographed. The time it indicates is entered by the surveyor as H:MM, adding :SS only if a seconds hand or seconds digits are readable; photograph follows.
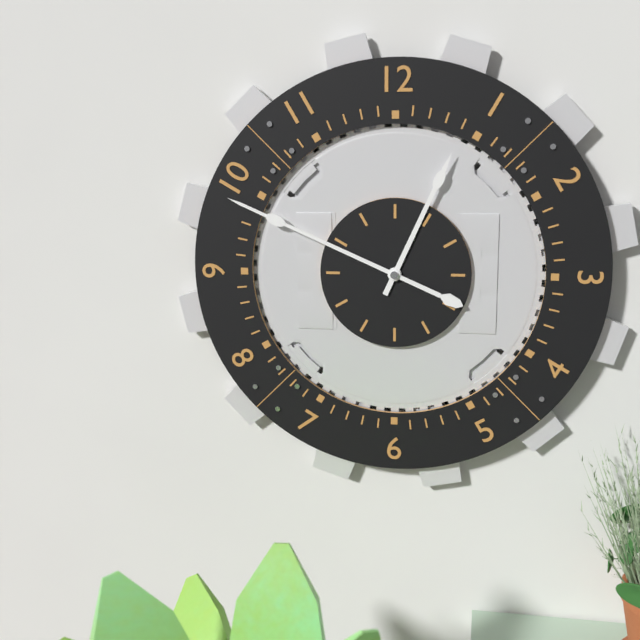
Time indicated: 12:49
